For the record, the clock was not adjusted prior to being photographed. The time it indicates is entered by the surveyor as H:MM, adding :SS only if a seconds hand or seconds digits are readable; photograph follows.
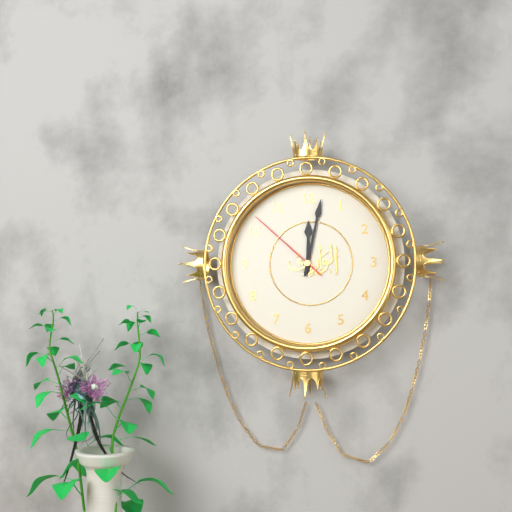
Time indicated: 12:02:52
